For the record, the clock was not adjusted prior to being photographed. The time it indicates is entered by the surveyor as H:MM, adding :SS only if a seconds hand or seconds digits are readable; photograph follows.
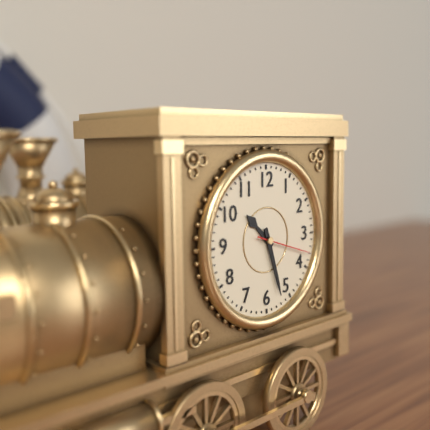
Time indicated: 10:27:18
